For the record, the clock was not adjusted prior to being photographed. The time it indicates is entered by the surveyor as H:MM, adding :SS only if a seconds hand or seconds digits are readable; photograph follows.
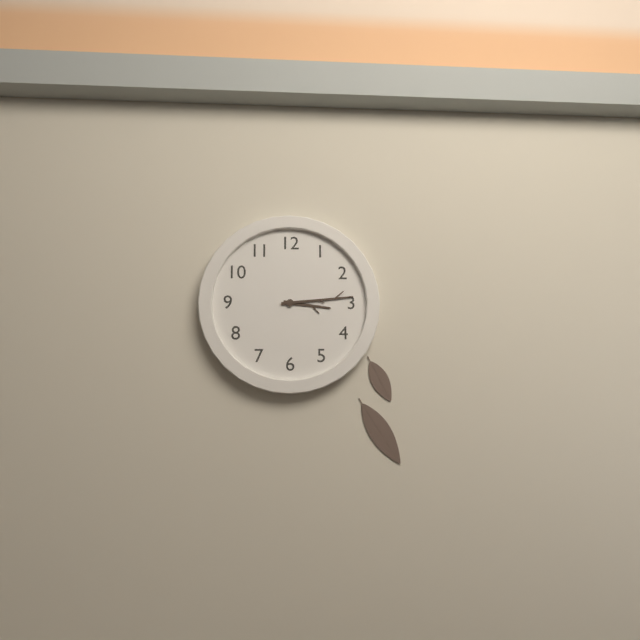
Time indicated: 3:14
